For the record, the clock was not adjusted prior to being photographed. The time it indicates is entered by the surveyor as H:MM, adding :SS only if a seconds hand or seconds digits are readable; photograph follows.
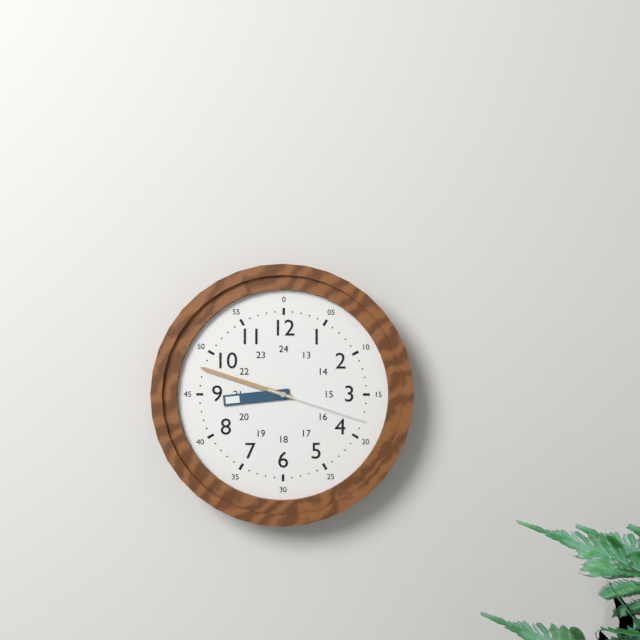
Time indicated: 8:48:18
